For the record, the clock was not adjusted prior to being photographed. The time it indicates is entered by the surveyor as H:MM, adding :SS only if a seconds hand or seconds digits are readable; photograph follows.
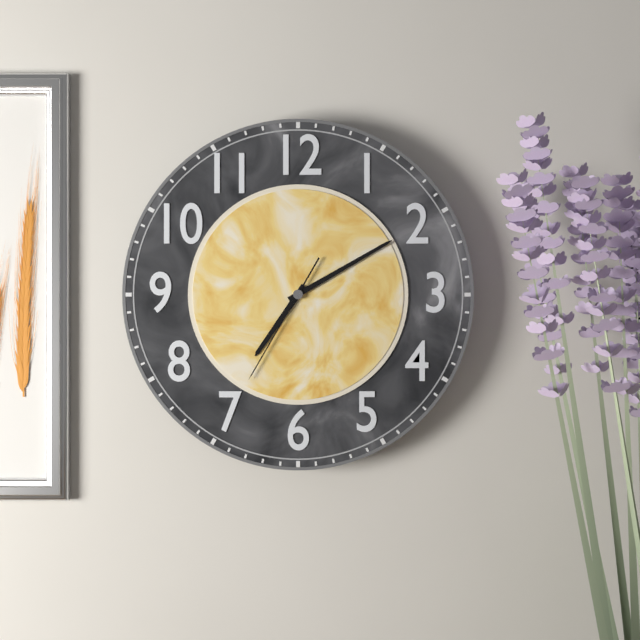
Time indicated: 7:10:35
